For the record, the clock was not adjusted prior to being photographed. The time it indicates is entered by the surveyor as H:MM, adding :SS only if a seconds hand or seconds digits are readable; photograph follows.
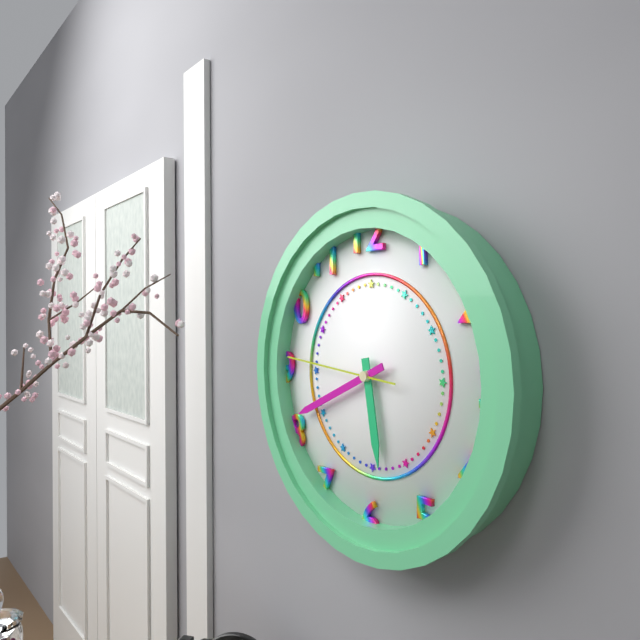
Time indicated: 5:41:46
